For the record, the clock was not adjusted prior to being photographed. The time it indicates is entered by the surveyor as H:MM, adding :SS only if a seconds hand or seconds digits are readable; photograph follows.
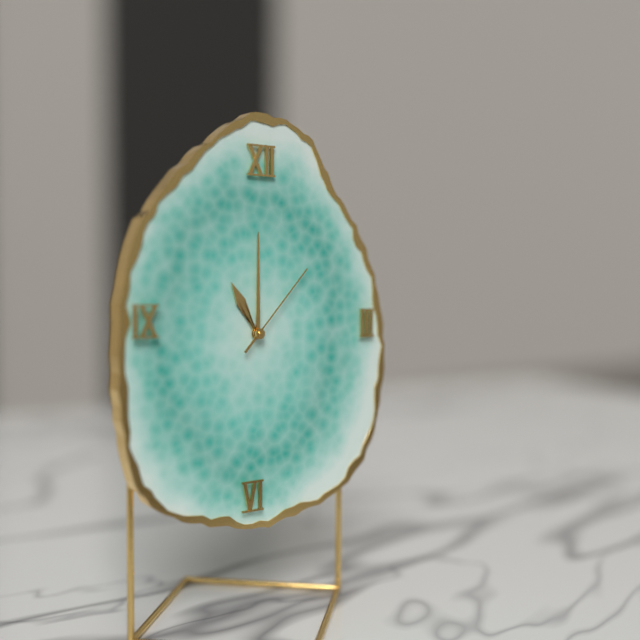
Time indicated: 11:00:07
